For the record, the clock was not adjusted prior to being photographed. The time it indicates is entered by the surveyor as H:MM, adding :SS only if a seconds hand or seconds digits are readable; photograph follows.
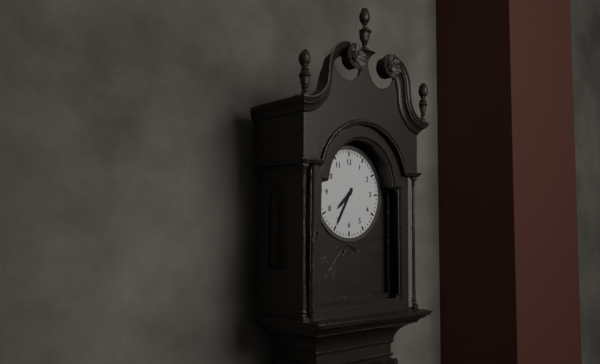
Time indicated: 7:35
